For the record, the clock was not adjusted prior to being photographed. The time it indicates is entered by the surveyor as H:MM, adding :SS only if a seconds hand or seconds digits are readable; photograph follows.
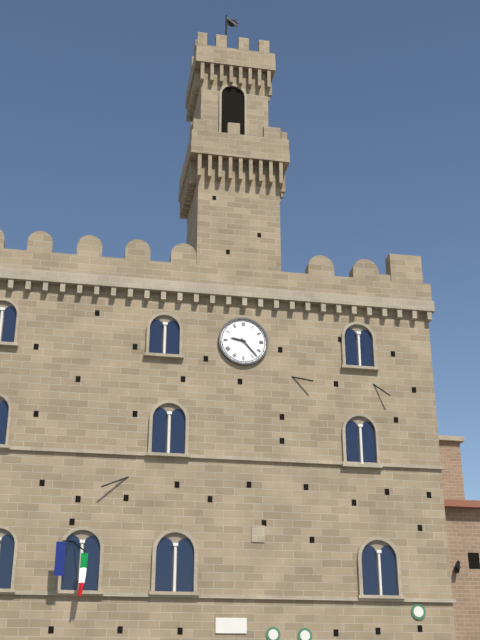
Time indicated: 9:23
